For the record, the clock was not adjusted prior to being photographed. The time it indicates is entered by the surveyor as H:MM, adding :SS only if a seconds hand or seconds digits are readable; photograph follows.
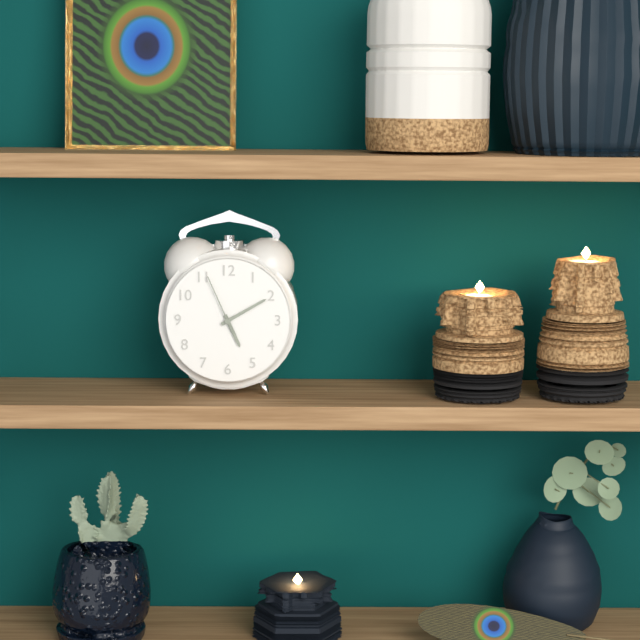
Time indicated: 5:10:56
